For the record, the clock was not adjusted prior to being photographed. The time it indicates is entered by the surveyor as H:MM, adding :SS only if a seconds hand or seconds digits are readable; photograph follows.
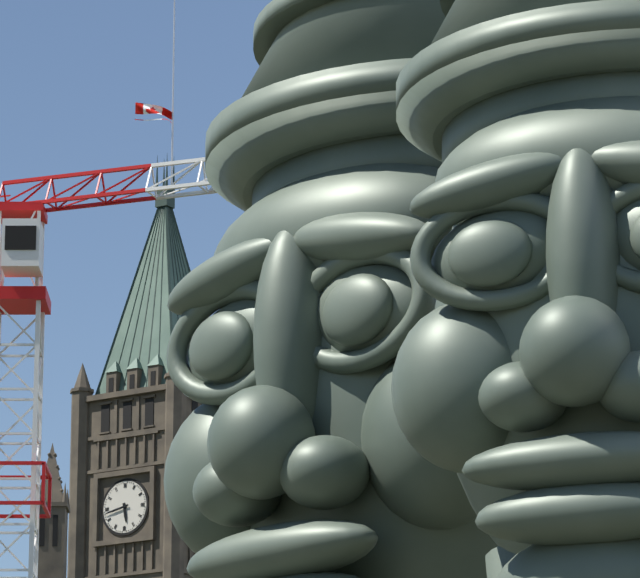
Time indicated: 5:43
